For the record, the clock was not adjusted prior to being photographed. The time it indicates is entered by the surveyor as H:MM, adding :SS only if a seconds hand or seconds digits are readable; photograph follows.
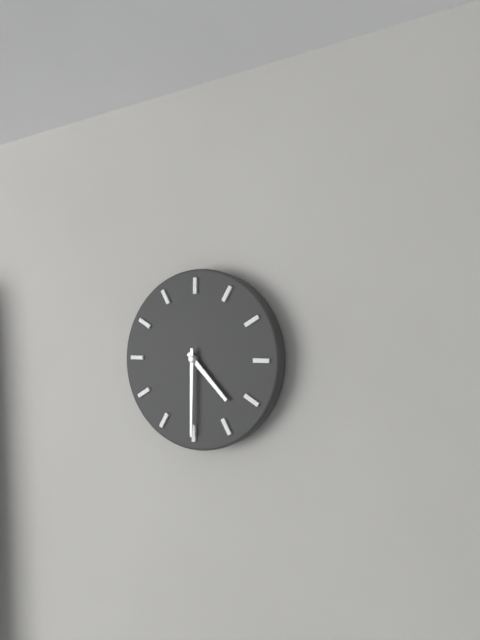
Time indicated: 4:30
